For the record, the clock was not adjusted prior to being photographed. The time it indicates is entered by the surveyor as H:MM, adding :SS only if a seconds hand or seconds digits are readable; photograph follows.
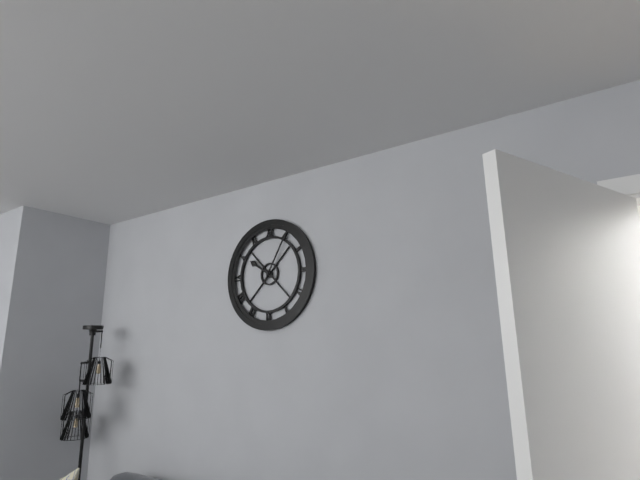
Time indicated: 10:05
